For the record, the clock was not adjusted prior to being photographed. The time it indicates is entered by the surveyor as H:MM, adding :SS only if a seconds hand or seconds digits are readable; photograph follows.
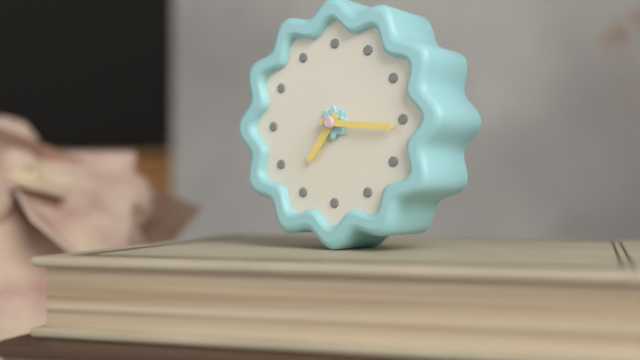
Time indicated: 7:16
